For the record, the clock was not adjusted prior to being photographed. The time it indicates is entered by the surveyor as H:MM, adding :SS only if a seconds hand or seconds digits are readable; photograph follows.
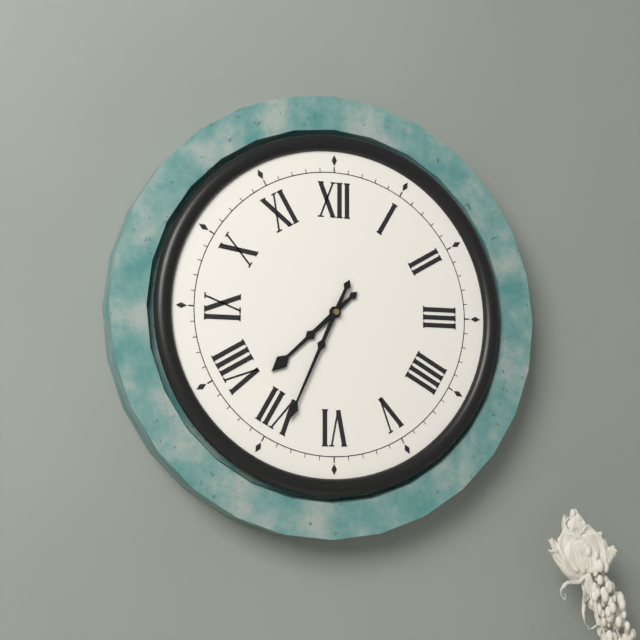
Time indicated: 7:34
